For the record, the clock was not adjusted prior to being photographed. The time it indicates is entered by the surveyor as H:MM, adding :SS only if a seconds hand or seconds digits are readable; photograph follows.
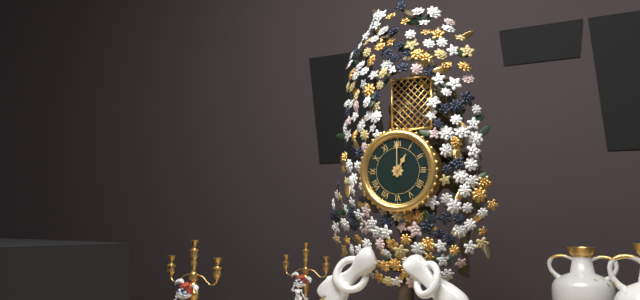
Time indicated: 1:00
